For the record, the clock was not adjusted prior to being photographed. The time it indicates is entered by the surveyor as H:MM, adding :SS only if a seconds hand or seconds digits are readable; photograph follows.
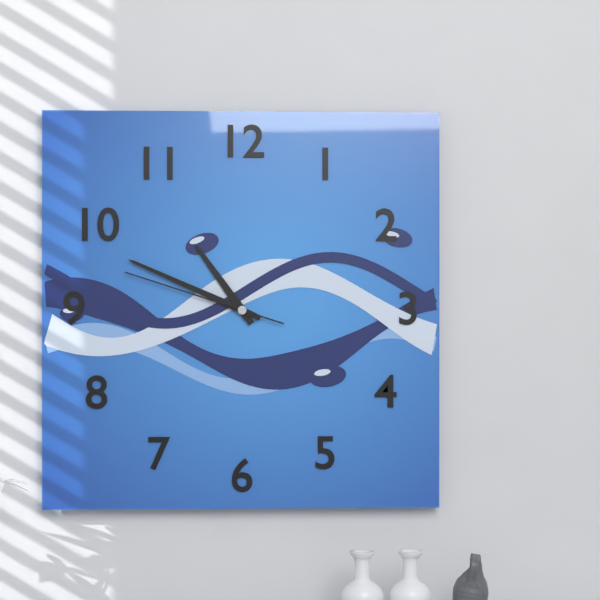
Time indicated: 10:49:48
